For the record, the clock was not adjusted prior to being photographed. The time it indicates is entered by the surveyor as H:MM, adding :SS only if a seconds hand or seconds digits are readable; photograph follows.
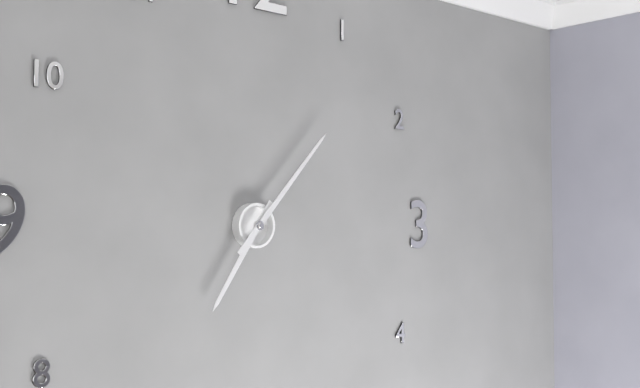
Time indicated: 7:07
